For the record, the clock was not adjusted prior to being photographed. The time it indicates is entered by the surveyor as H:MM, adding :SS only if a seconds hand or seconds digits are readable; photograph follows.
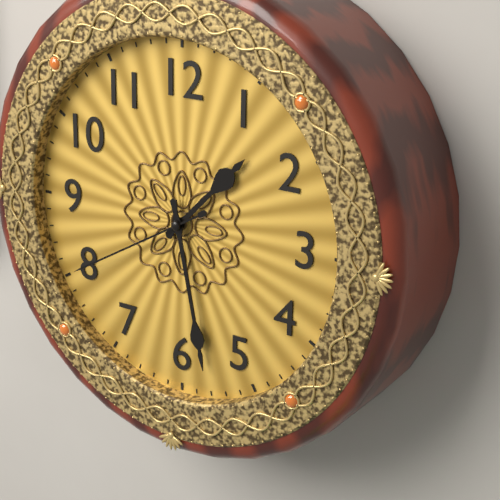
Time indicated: 1:28:40
